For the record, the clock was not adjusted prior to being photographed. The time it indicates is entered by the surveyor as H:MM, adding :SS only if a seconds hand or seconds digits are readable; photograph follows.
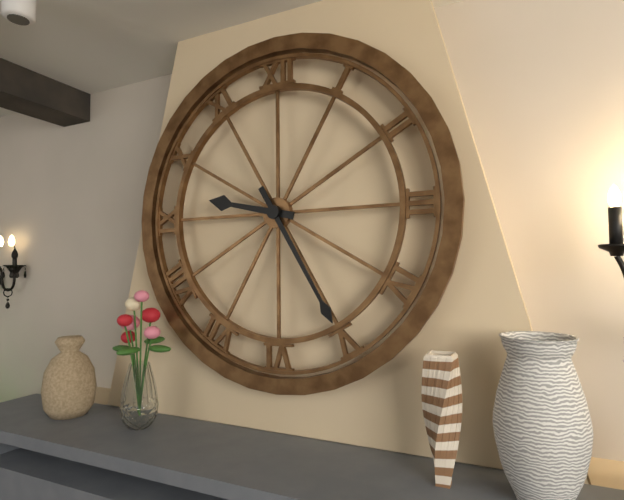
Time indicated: 9:25
